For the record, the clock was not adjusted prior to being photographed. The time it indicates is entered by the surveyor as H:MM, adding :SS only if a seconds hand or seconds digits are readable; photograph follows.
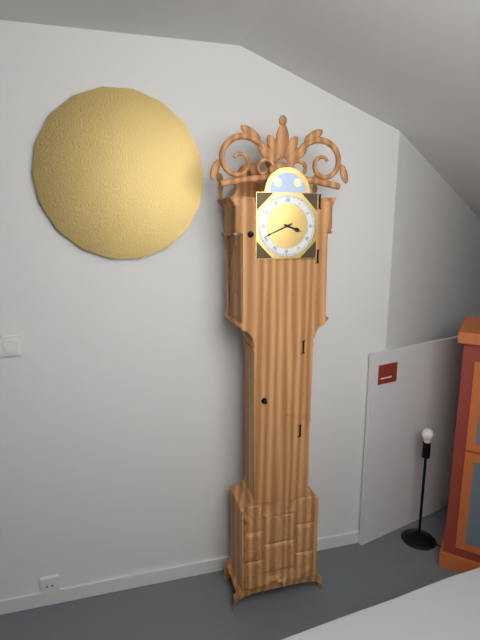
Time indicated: 3:41
